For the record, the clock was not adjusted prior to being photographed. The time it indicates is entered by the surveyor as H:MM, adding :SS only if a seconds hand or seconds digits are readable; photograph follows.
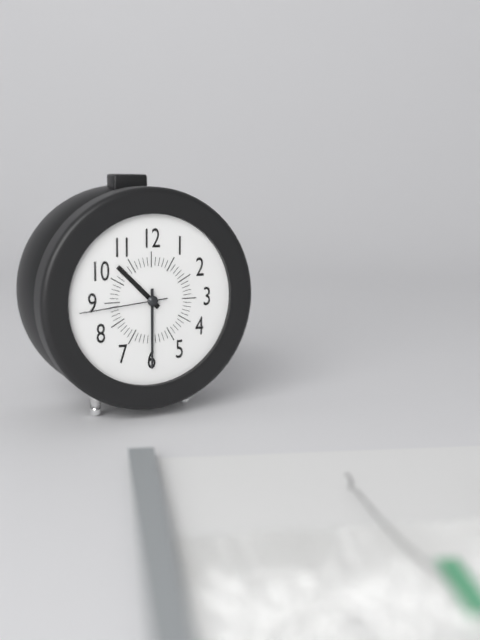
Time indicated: 10:30:44
